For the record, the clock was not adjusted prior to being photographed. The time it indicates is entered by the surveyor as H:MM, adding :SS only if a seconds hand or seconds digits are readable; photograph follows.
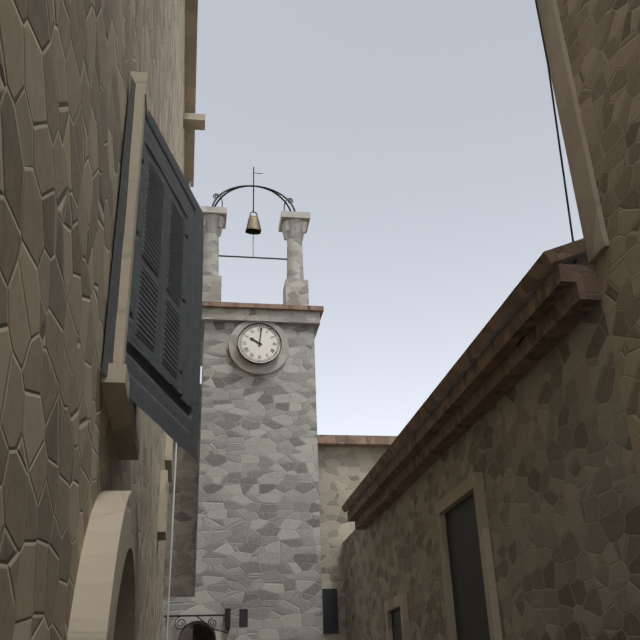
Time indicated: 10:01
